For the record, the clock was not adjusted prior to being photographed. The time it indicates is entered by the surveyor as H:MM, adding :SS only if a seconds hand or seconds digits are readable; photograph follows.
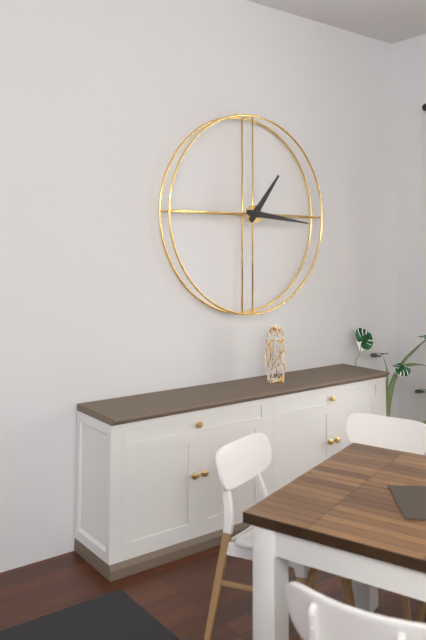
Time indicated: 1:16
